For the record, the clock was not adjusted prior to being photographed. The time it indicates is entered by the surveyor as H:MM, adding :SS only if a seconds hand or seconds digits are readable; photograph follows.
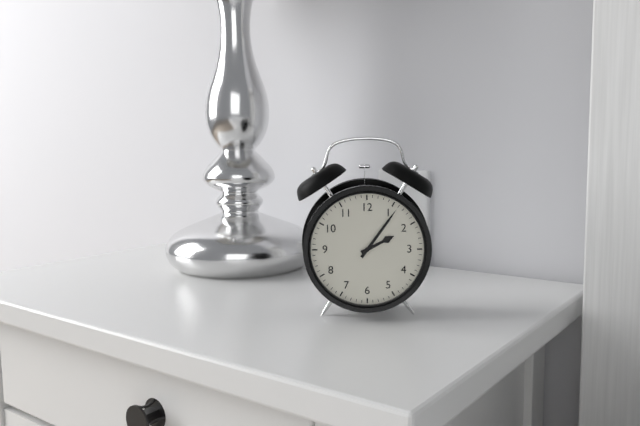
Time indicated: 2:06
